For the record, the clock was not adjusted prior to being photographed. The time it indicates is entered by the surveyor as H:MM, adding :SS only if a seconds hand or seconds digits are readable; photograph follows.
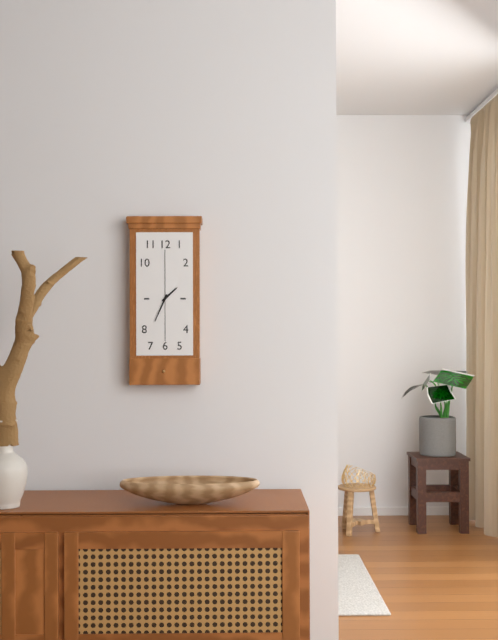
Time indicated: 1:34
